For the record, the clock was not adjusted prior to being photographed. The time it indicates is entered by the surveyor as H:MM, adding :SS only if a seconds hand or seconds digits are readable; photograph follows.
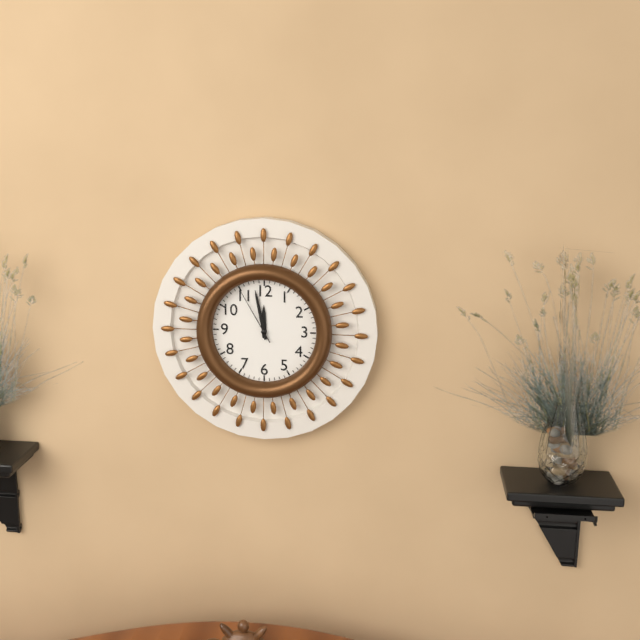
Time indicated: 11:58:55
